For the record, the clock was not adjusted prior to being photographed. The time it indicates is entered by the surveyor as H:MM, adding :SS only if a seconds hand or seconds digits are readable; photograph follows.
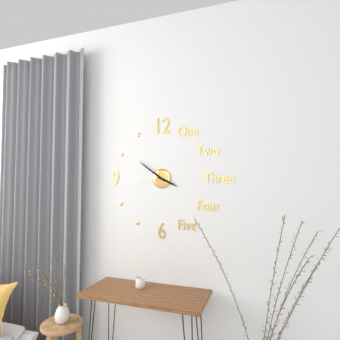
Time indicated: 3:51
